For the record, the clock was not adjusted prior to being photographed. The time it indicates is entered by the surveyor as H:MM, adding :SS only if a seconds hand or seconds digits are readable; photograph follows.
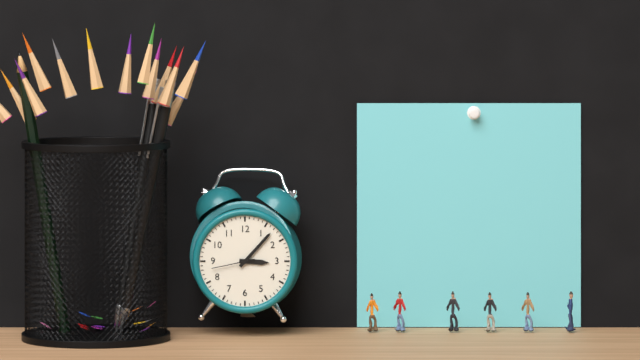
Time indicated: 3:07
